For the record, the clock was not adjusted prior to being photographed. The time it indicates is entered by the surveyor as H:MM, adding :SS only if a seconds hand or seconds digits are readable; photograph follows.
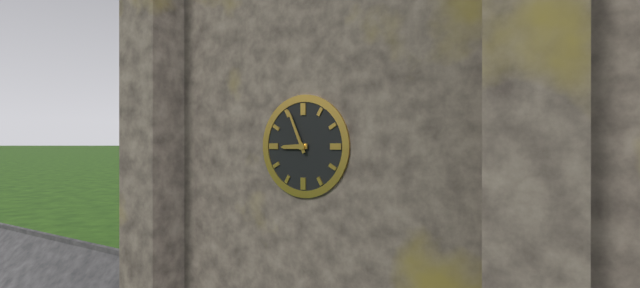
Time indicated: 8:56
